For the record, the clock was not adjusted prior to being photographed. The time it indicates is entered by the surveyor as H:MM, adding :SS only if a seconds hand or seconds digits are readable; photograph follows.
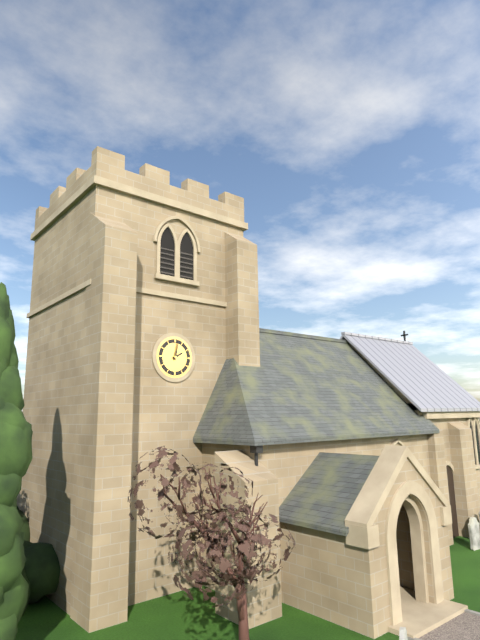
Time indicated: 2:02
